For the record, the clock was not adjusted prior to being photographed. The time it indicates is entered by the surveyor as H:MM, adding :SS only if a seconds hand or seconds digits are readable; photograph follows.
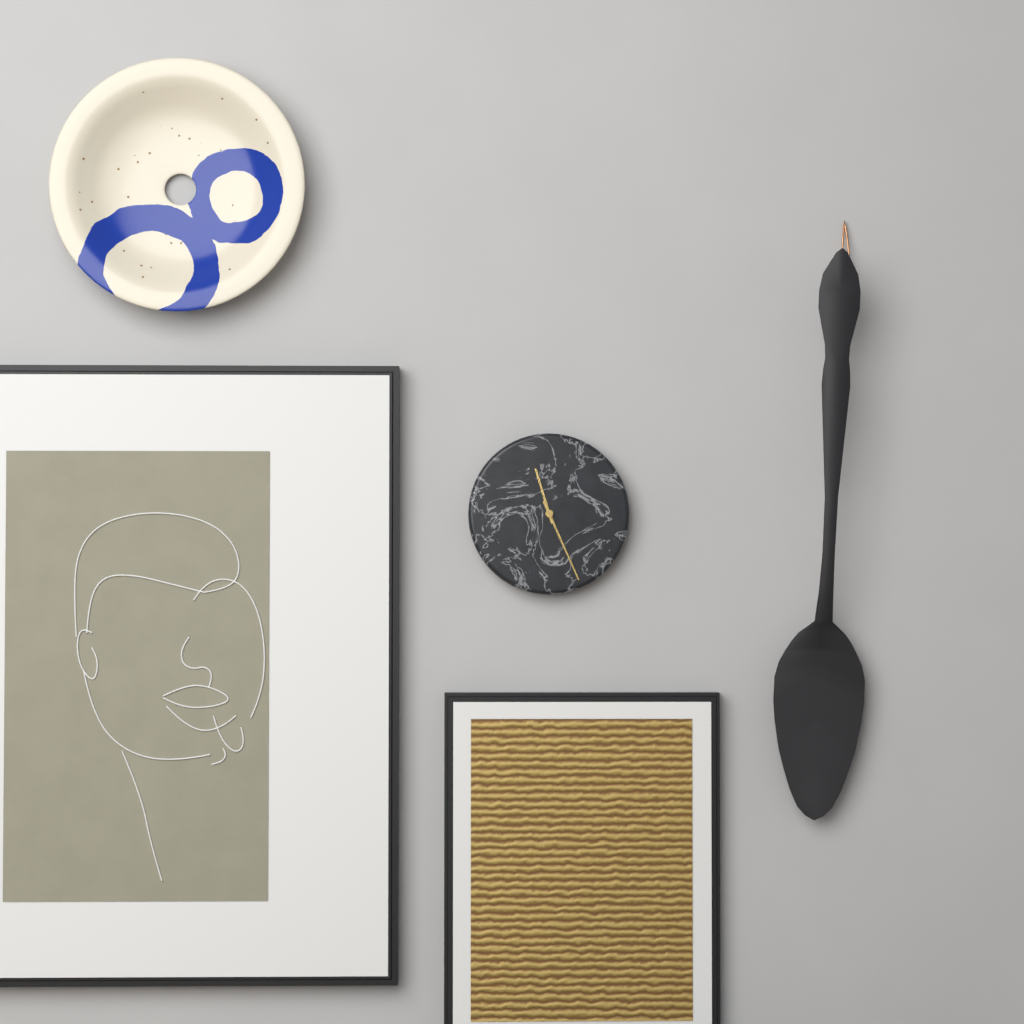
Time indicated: 11:26
